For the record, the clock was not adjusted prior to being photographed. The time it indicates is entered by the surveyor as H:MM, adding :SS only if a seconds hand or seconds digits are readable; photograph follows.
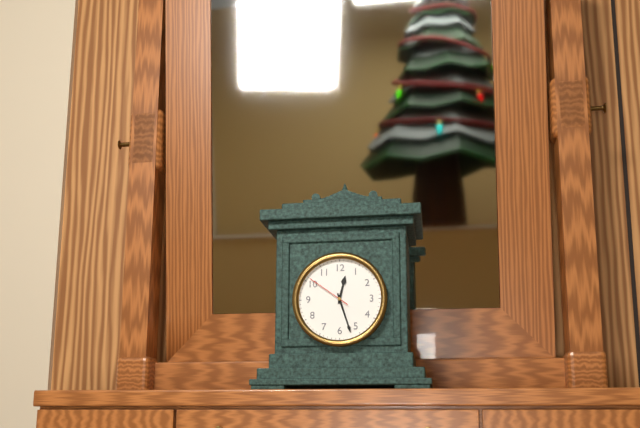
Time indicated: 12:27
